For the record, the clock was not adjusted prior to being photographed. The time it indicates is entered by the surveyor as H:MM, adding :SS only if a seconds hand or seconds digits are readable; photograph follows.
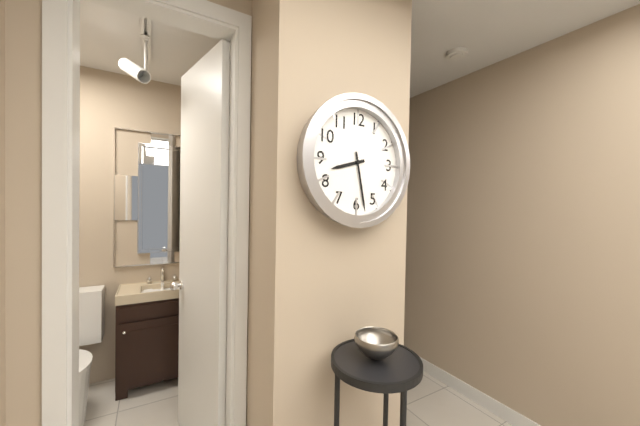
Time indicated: 8:28
